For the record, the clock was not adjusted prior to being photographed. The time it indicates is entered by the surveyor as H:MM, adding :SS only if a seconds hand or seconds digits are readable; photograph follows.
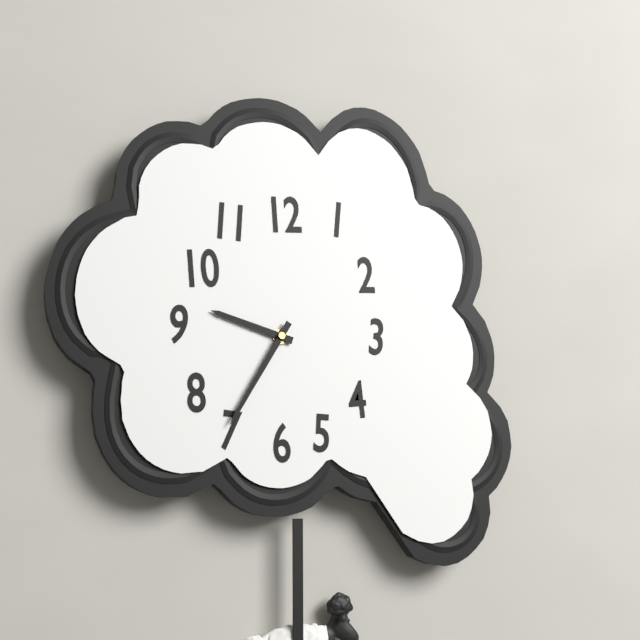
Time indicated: 9:35
